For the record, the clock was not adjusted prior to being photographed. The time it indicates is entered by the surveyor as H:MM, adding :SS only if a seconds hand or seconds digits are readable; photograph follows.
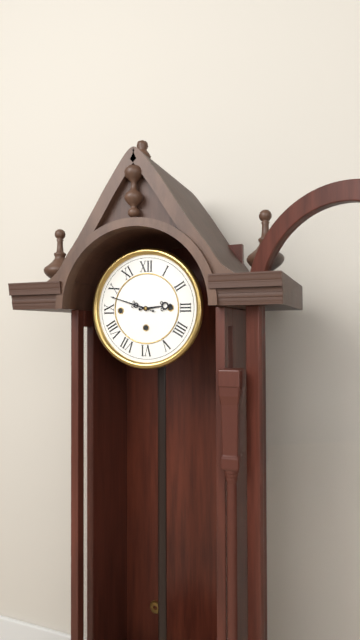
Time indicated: 2:48
